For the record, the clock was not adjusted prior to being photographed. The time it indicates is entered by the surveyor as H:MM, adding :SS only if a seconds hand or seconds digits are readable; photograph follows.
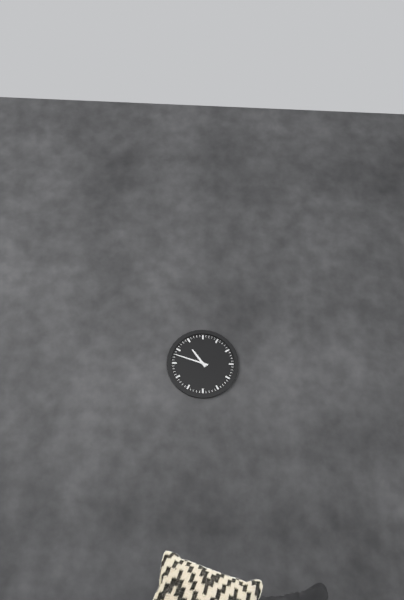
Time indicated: 10:48
